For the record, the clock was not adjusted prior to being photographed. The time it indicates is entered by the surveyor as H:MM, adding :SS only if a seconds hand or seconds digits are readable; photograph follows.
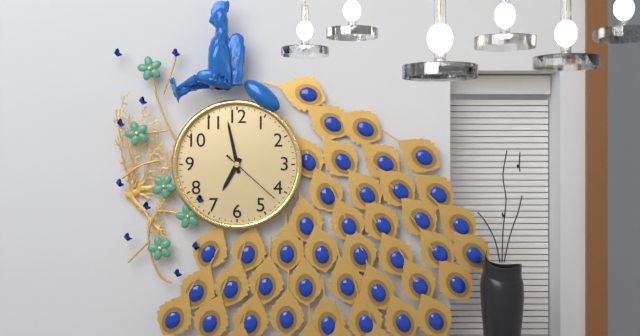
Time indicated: 6:58:22
